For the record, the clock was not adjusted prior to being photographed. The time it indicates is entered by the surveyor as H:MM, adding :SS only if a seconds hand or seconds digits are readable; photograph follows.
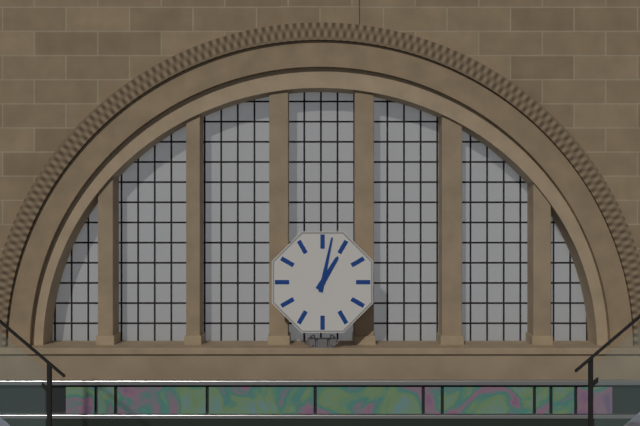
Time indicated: 1:02
